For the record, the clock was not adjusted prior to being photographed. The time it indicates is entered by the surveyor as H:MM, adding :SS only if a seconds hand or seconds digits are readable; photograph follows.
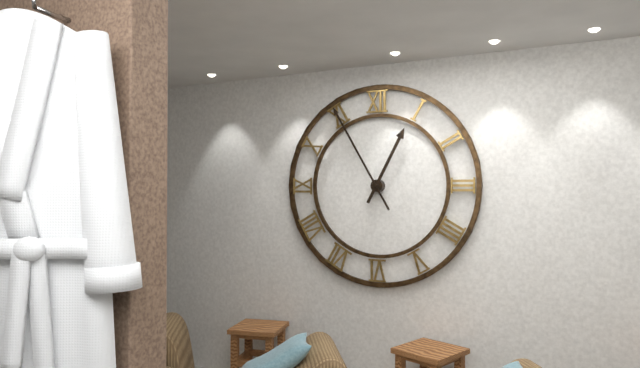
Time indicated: 12:55
